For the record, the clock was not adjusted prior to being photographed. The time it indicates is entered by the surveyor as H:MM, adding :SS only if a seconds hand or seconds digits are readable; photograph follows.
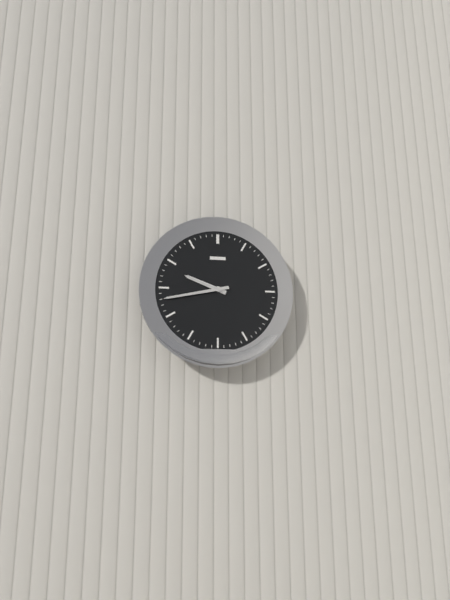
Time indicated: 9:43
